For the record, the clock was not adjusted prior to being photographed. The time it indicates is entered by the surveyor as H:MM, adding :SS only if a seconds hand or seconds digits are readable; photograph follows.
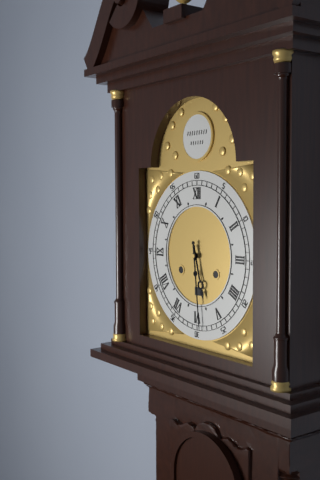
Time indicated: 5:29
